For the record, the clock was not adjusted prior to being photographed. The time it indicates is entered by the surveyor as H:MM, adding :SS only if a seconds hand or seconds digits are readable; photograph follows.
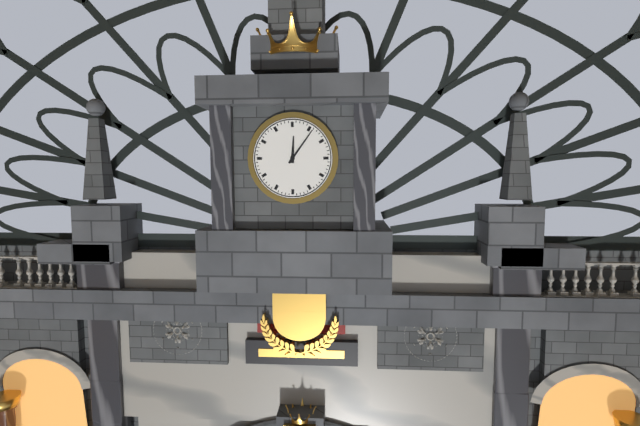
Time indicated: 12:06
